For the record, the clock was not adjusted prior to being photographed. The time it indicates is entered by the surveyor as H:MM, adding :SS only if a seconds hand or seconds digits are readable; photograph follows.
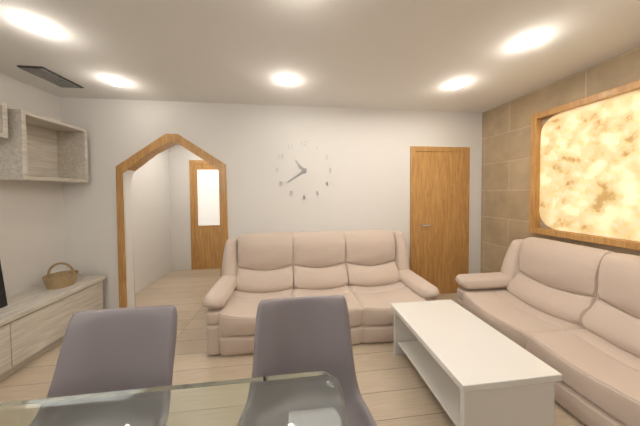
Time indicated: 10:39
